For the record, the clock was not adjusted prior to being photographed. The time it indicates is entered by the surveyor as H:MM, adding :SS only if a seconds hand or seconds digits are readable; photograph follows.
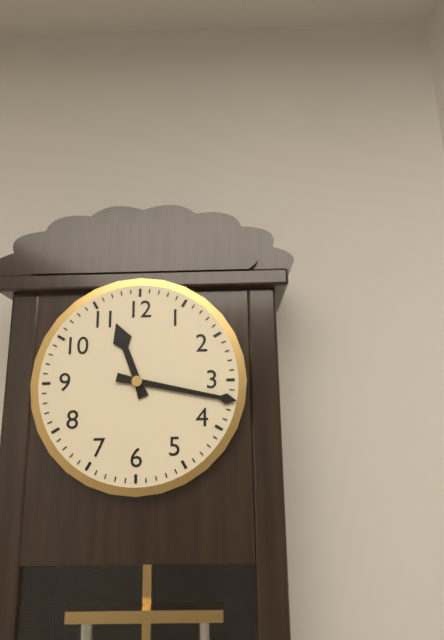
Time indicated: 11:17
